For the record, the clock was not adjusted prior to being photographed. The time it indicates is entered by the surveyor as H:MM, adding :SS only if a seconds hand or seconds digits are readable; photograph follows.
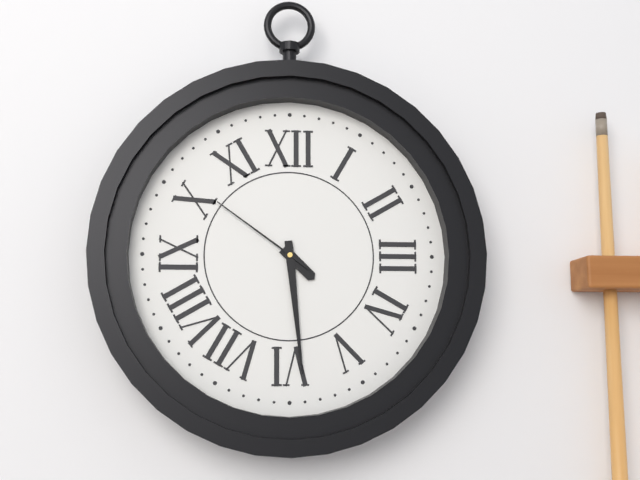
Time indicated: 4:29:51
